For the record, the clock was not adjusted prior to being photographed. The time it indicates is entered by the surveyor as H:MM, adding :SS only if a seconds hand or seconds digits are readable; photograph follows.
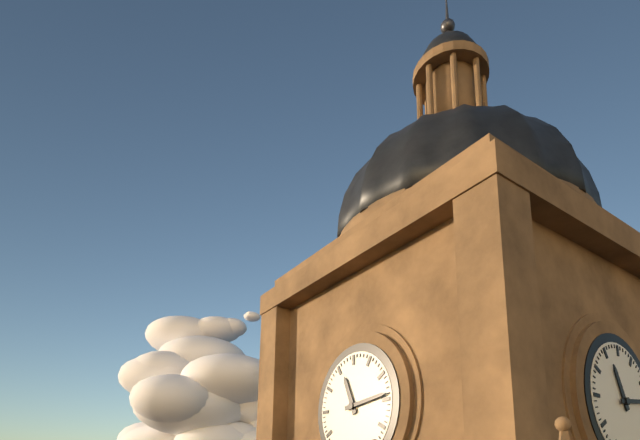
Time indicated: 11:14
